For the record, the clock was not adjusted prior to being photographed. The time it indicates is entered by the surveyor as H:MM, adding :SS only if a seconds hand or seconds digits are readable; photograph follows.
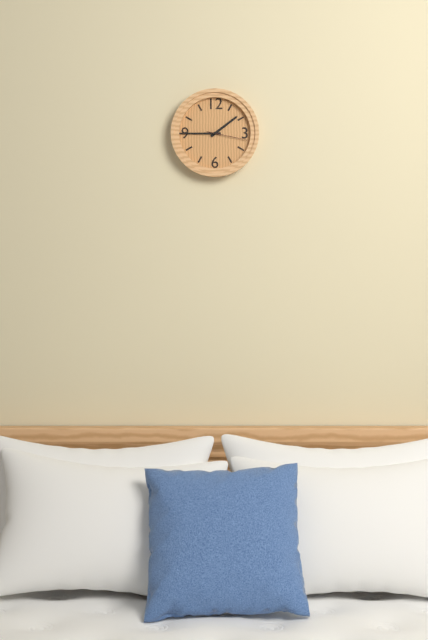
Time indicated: 1:45
